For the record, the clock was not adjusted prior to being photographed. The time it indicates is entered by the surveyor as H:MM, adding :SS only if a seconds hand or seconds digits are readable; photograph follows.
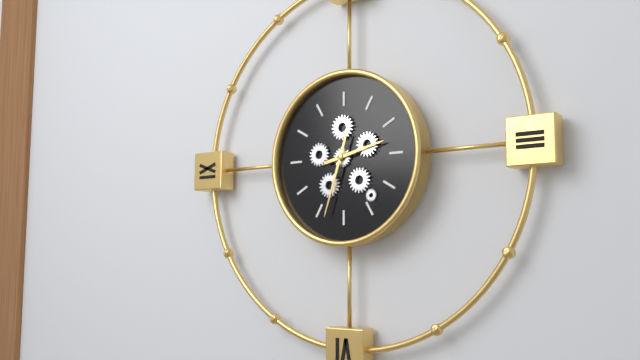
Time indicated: 2:33
